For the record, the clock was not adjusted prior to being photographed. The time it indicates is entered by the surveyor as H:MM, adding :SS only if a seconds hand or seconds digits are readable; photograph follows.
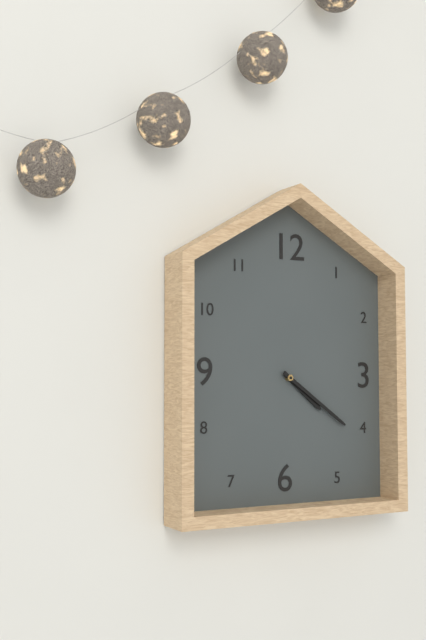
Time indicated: 4:21
